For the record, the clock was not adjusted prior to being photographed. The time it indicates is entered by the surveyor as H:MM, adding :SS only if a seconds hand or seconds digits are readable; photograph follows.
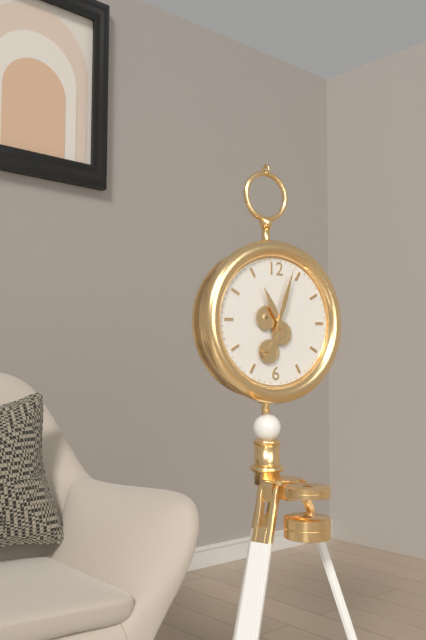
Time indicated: 11:03
